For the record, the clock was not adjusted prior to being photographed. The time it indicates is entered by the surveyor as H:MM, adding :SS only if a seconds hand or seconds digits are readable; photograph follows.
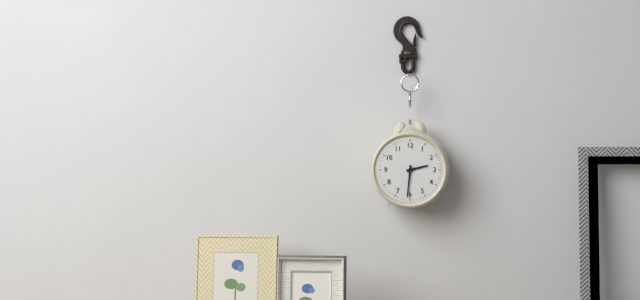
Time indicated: 2:31
